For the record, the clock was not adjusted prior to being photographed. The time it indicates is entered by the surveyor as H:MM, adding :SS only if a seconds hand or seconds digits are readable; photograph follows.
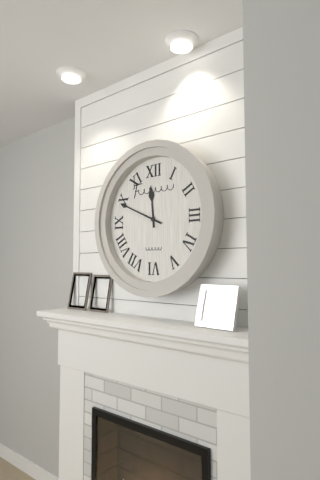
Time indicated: 11:49
